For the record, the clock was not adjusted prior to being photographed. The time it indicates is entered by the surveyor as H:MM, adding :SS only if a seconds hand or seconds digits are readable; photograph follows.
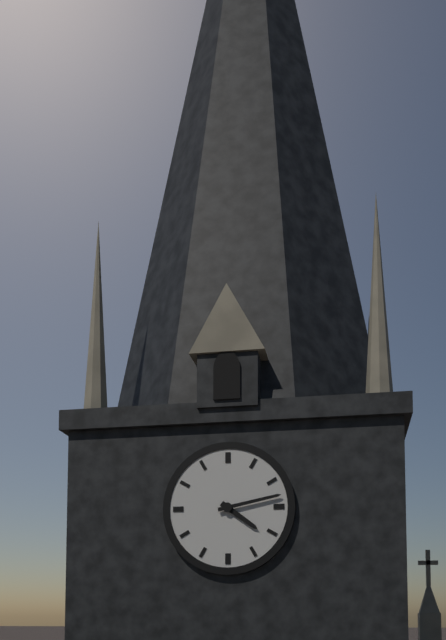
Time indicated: 4:13
